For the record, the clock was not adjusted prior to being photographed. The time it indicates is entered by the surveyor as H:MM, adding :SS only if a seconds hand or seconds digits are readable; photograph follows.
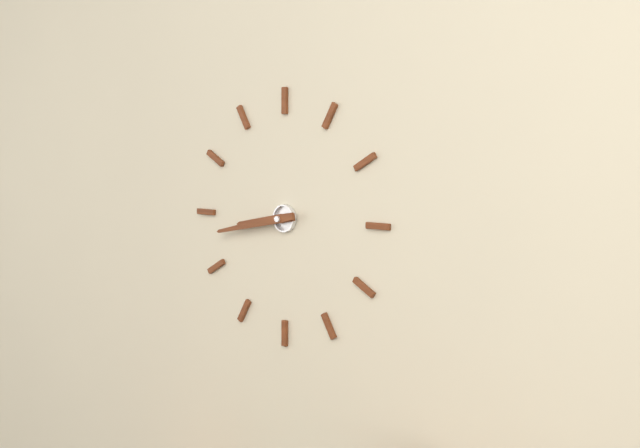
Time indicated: 8:43
